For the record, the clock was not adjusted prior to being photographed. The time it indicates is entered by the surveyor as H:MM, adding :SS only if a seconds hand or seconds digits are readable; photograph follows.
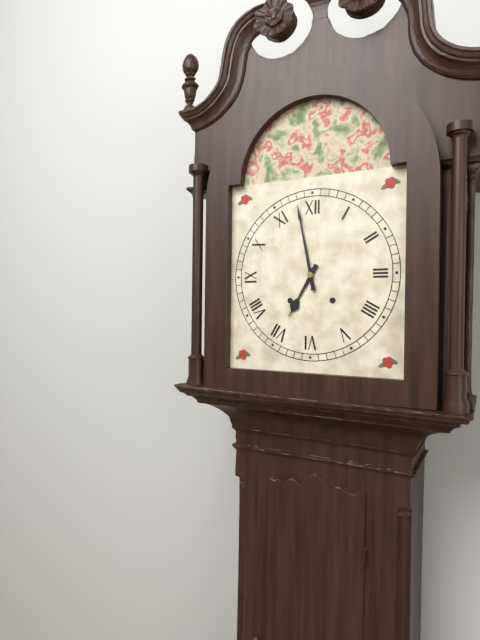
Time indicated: 6:58
